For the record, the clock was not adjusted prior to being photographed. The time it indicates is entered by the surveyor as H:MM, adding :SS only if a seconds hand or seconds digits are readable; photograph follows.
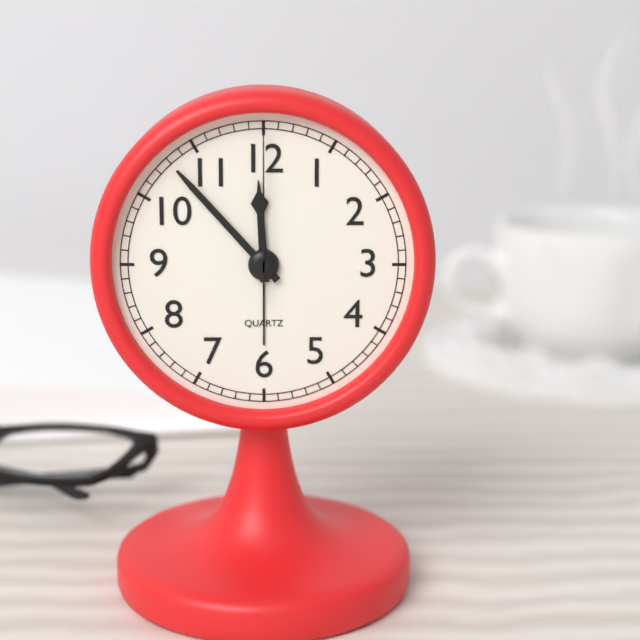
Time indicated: 11:53:00
